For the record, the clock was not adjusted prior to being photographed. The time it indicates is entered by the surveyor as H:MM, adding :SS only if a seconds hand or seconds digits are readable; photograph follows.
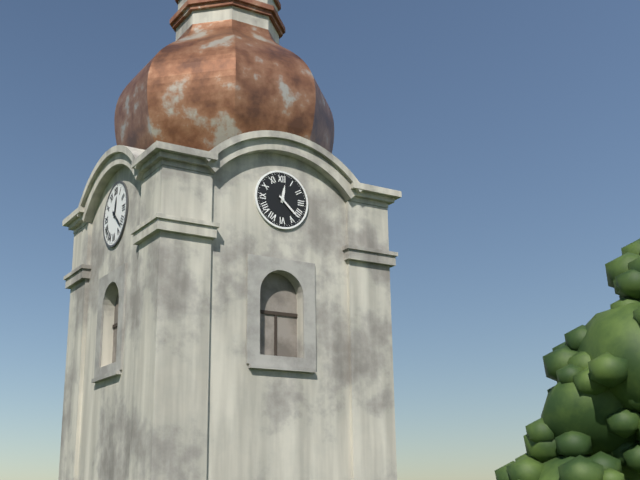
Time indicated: 12:22
